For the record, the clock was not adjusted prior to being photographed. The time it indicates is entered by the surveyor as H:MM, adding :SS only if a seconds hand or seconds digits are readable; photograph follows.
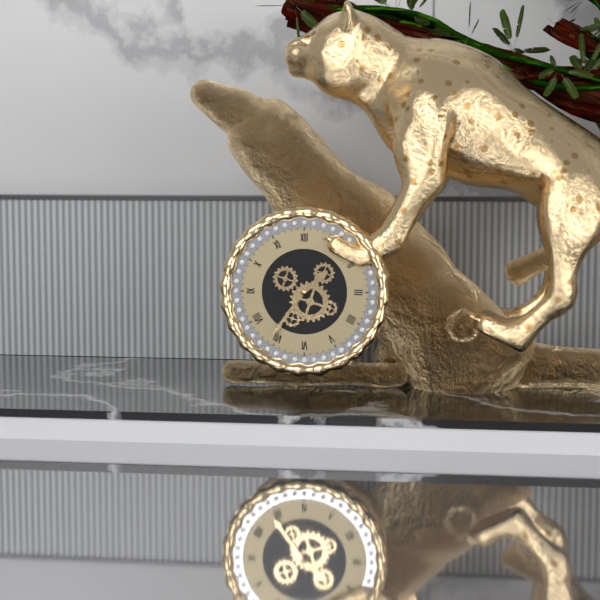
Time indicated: 1:36
